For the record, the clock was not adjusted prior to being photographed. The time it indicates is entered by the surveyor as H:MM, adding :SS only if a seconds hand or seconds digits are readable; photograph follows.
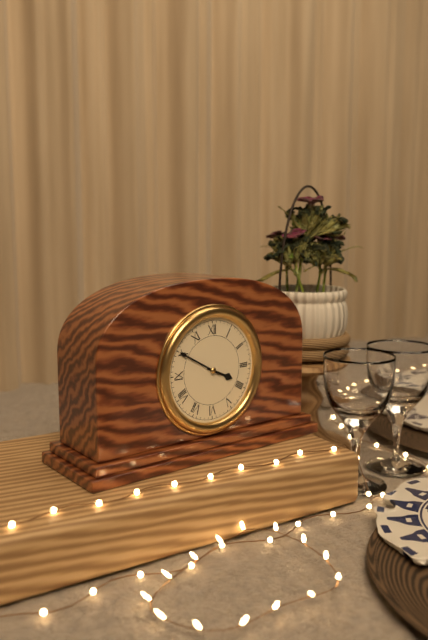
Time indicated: 3:50
